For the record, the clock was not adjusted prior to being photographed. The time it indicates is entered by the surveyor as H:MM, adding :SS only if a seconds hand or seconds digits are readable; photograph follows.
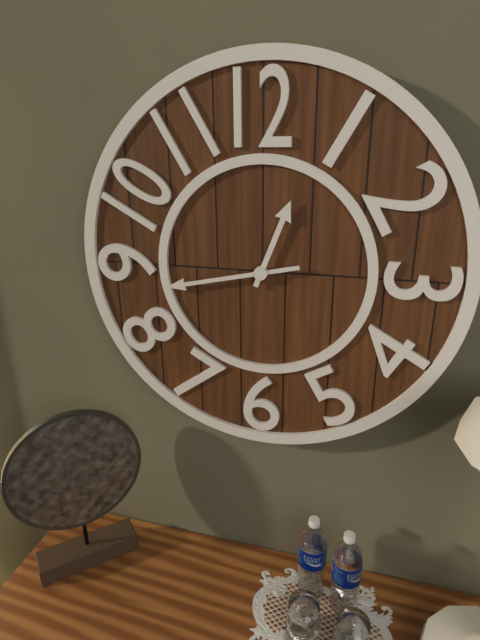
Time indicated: 12:43
